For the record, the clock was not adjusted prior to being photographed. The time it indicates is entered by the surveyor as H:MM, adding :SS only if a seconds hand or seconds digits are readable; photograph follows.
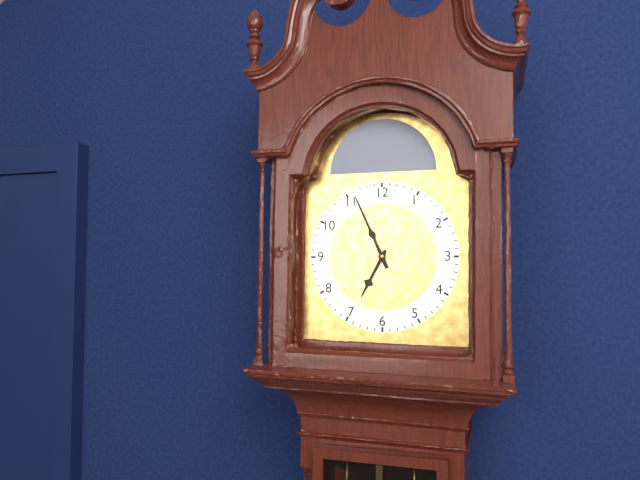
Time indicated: 6:56
